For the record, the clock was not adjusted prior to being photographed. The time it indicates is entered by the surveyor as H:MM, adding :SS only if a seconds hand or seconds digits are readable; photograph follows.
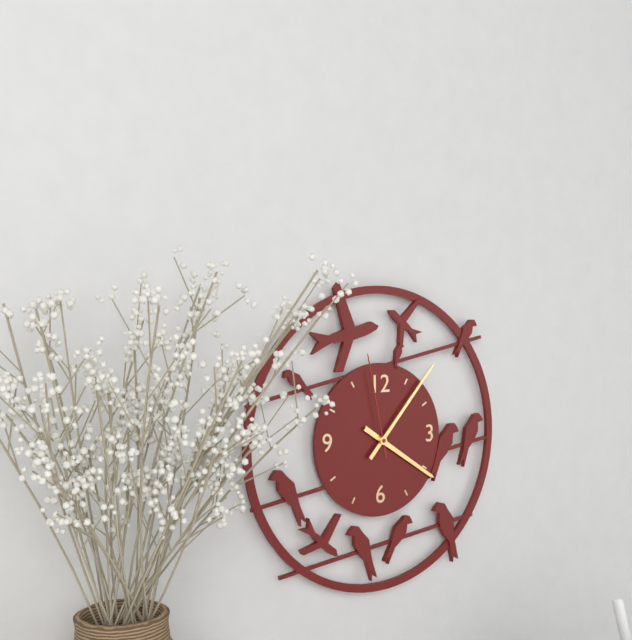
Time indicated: 4:07:58
